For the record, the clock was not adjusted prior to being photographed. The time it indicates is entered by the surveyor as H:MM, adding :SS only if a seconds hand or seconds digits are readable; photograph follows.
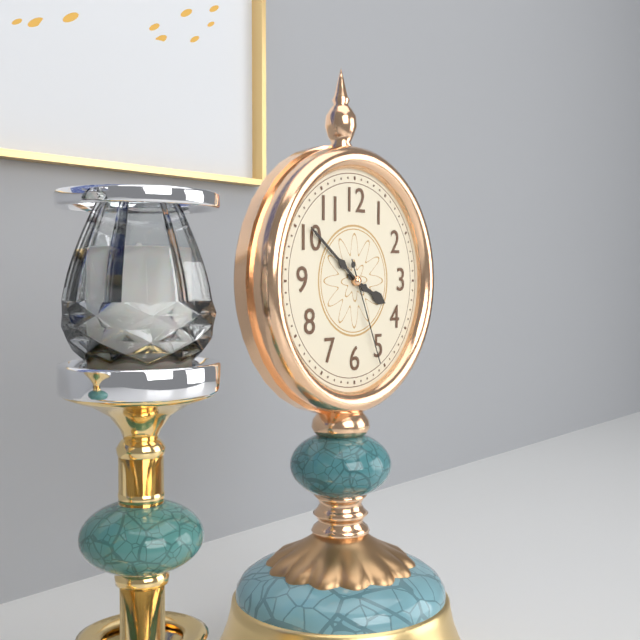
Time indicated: 3:51:26
